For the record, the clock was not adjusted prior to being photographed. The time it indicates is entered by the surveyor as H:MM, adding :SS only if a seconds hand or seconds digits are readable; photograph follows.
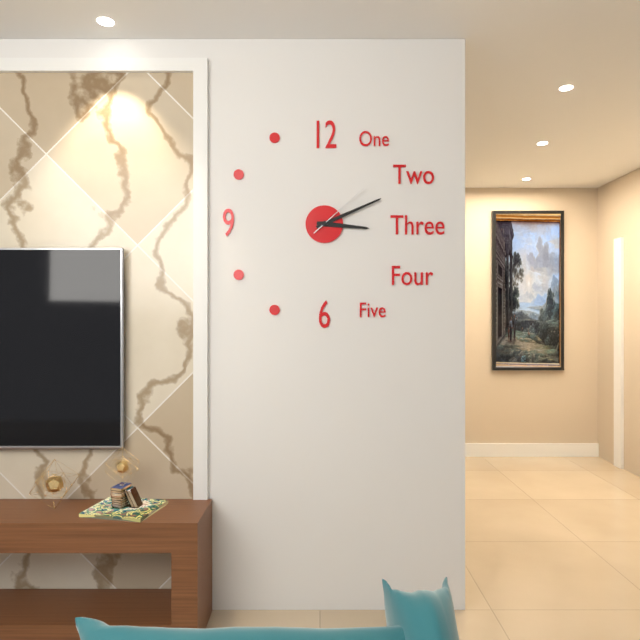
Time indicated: 3:11:08
